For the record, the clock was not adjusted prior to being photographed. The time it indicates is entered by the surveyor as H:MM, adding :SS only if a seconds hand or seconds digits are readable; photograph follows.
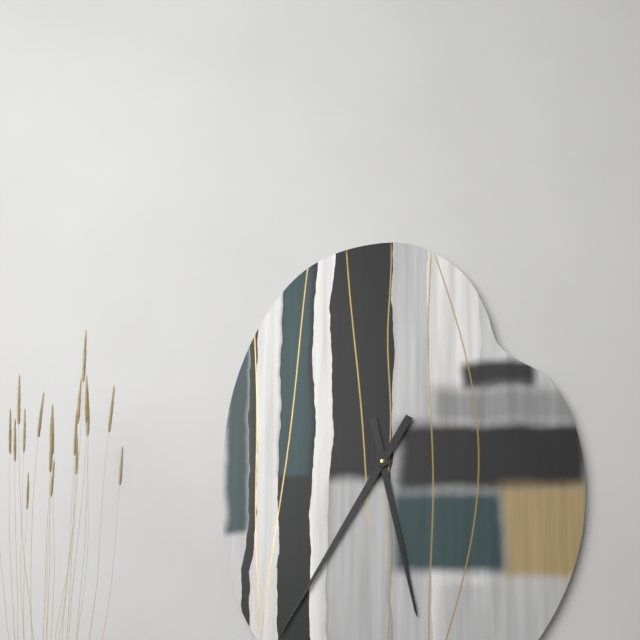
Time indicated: 5:35
